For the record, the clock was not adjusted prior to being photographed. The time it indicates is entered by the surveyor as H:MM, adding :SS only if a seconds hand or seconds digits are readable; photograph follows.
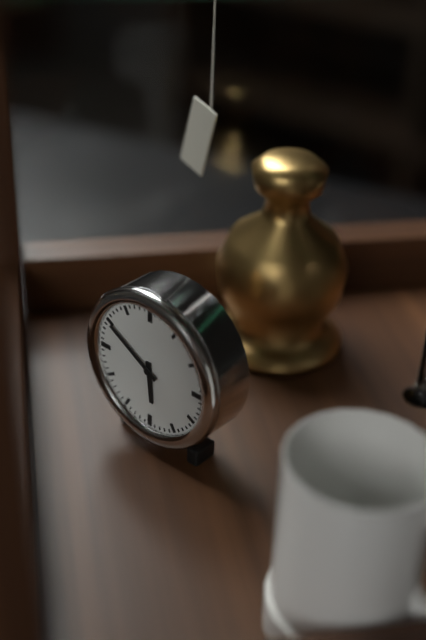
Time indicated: 5:50
